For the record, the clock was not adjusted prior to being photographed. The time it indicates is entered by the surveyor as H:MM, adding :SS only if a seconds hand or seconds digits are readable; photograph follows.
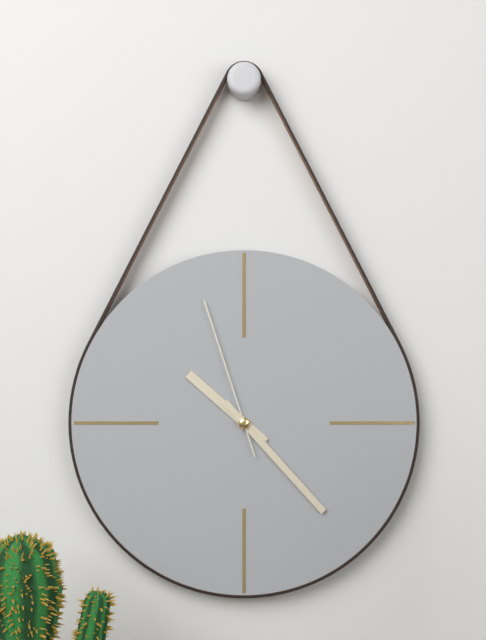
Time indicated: 10:23:57
